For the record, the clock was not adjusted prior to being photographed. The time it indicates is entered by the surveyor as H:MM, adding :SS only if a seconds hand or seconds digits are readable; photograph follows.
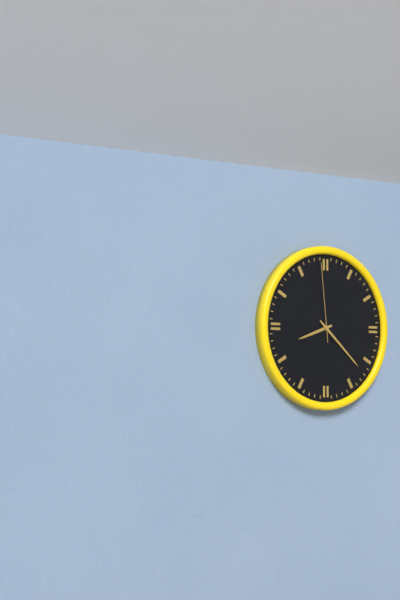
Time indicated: 8:22:59
